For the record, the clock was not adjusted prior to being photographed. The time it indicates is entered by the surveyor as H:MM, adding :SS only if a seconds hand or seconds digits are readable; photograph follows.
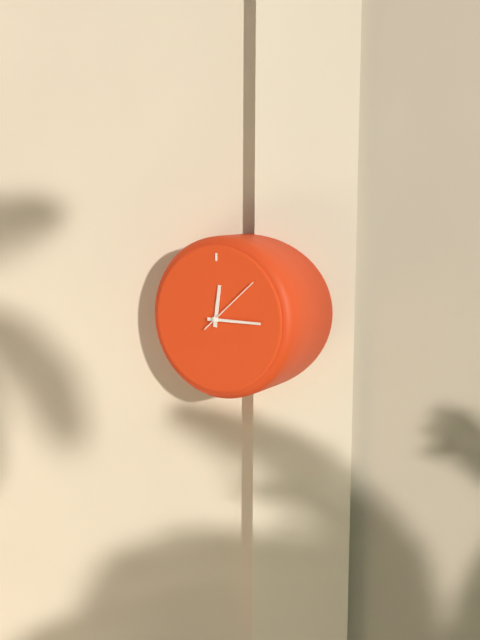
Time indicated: 12:15:08
